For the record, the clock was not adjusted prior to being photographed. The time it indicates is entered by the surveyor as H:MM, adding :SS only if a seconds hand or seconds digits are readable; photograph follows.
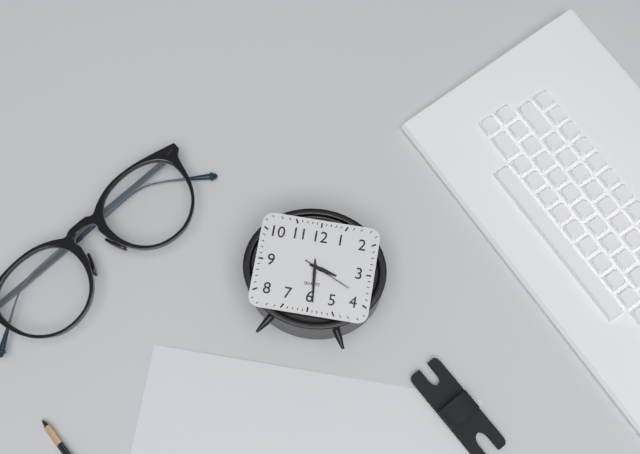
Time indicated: 3:29:19
